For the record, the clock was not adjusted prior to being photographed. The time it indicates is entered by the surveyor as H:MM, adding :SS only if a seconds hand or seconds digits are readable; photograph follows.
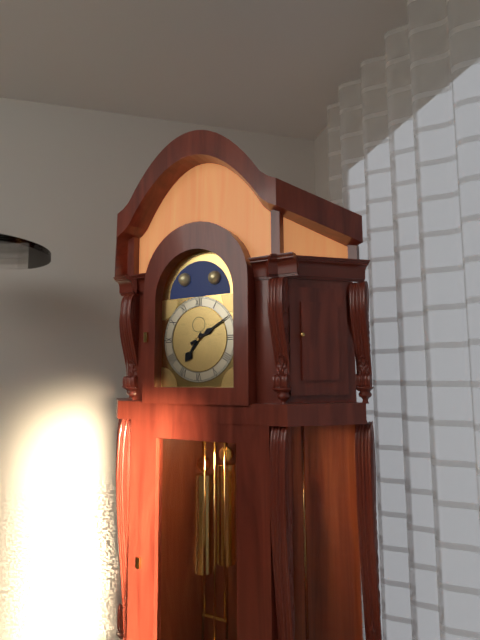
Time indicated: 7:10
